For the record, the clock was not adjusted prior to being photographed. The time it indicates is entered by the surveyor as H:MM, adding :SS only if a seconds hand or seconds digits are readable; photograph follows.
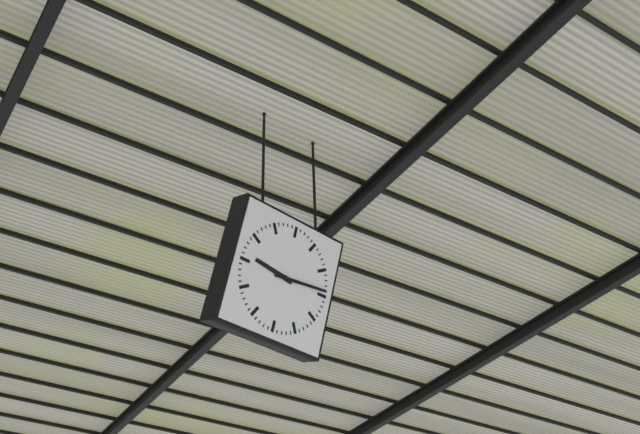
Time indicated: 9:14
